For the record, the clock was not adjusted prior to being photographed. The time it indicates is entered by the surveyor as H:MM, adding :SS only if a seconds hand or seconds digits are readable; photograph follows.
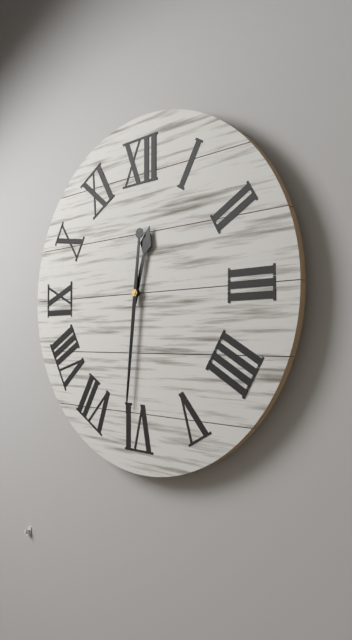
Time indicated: 12:31
